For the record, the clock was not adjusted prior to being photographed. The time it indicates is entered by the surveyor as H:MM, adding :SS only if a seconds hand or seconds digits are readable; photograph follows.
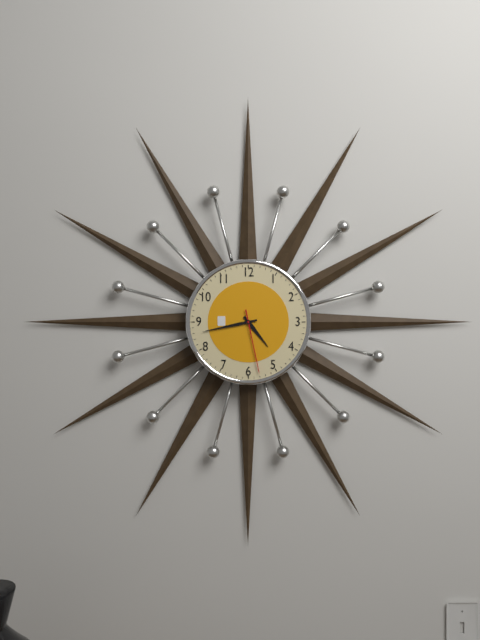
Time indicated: 4:43:28
